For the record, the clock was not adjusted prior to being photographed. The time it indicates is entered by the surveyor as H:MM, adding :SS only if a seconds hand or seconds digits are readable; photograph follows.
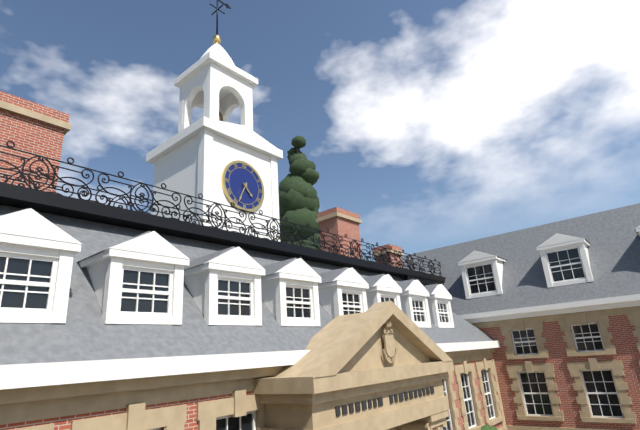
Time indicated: 4:34
